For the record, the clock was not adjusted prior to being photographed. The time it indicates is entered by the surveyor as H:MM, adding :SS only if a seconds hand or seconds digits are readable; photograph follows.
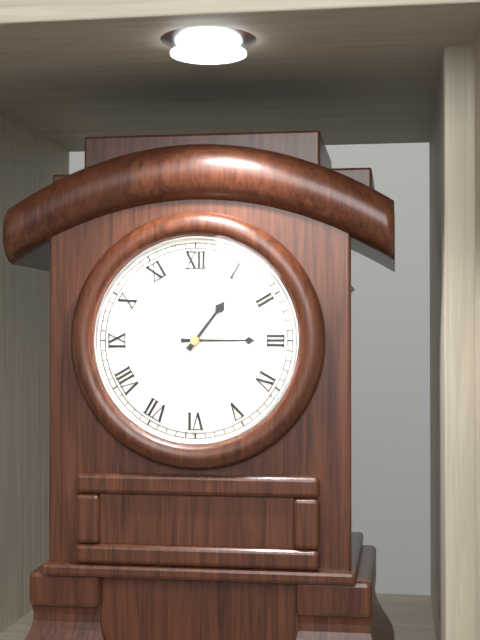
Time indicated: 1:15
